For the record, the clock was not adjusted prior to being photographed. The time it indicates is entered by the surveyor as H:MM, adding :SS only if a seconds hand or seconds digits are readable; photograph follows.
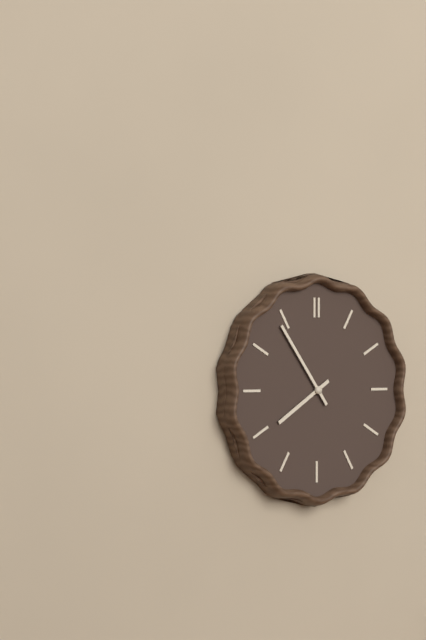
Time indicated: 7:54
